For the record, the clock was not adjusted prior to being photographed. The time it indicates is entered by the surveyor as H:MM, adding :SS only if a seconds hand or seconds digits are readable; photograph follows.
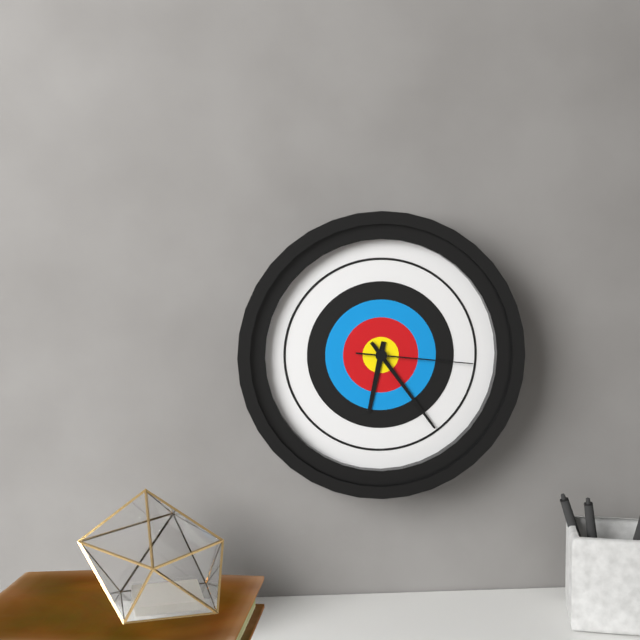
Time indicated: 6:24:16
